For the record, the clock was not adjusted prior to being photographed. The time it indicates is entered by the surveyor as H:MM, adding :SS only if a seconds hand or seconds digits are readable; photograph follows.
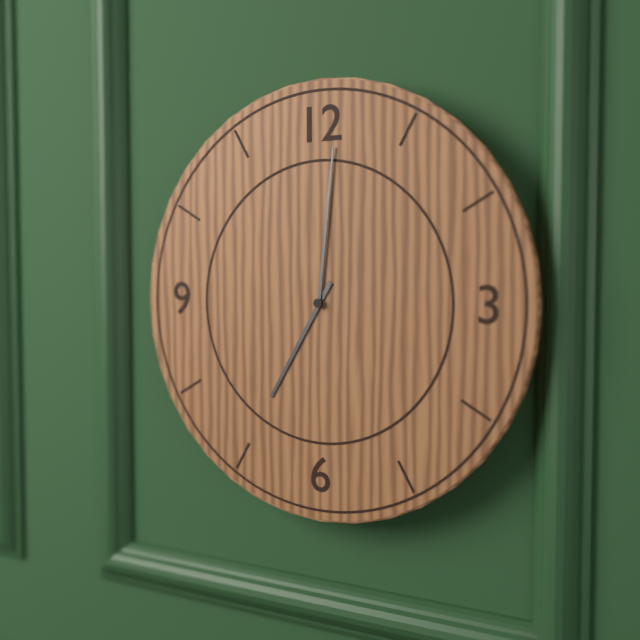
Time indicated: 7:01
